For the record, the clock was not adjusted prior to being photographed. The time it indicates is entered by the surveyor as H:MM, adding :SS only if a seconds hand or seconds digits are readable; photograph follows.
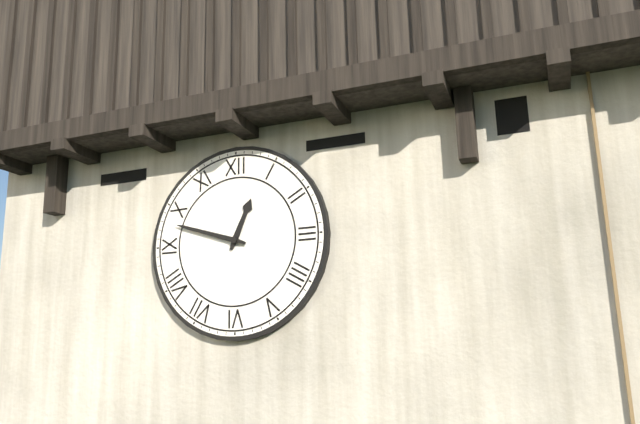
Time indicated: 12:48
